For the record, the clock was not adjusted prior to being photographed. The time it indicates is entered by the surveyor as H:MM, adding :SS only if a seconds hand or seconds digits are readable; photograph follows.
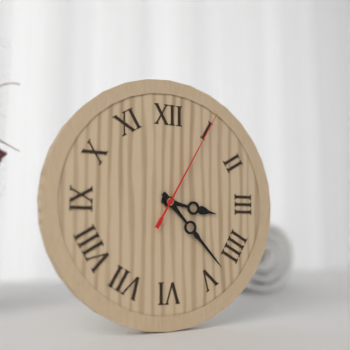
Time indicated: 3:23:05
